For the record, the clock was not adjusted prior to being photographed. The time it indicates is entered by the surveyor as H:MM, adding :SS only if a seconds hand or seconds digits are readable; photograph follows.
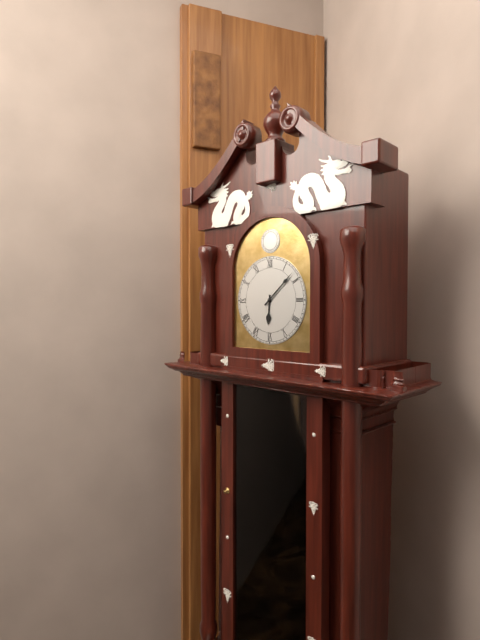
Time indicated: 6:08
